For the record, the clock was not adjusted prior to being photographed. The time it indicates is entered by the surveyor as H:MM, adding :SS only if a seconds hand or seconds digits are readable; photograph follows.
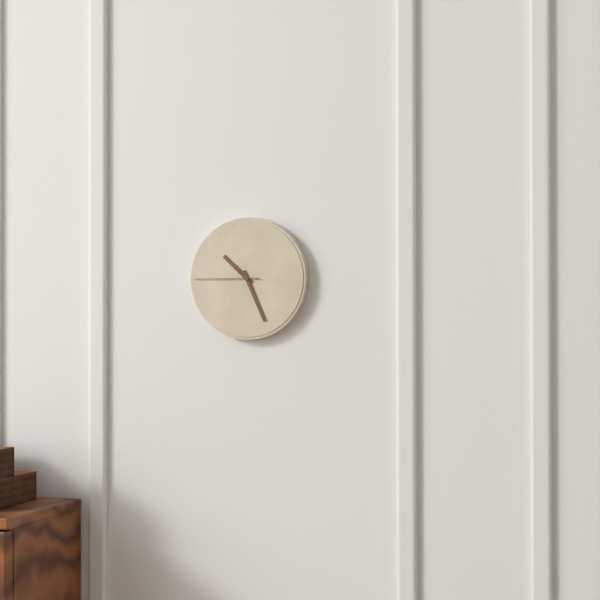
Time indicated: 10:26:45
